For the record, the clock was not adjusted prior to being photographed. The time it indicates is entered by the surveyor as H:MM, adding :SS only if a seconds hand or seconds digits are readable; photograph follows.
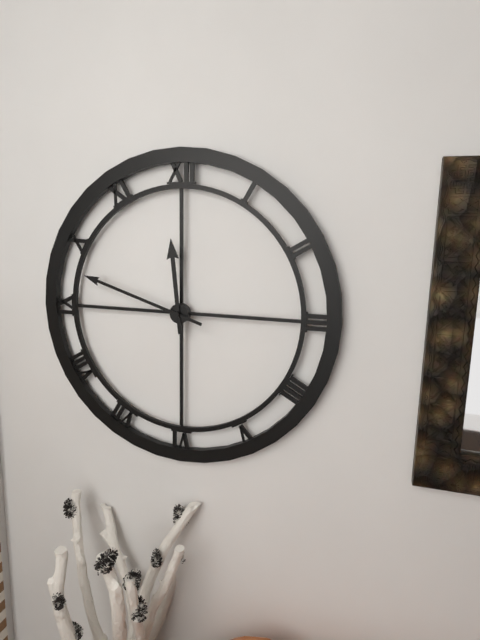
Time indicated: 11:48
